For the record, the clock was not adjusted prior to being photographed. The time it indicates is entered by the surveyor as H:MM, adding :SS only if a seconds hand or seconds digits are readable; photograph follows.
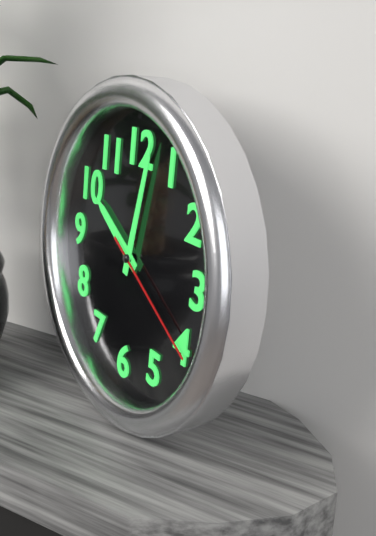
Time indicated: 10:02:20
